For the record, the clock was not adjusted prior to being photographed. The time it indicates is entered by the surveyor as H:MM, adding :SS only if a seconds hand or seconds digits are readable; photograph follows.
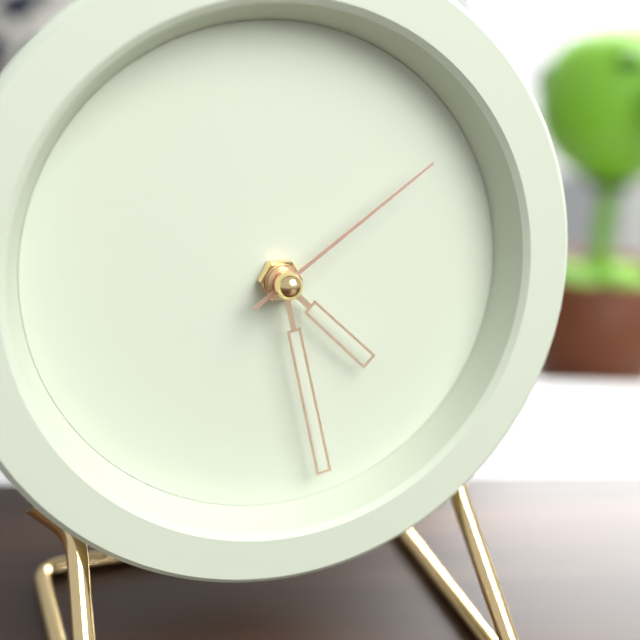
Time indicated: 4:28:09
